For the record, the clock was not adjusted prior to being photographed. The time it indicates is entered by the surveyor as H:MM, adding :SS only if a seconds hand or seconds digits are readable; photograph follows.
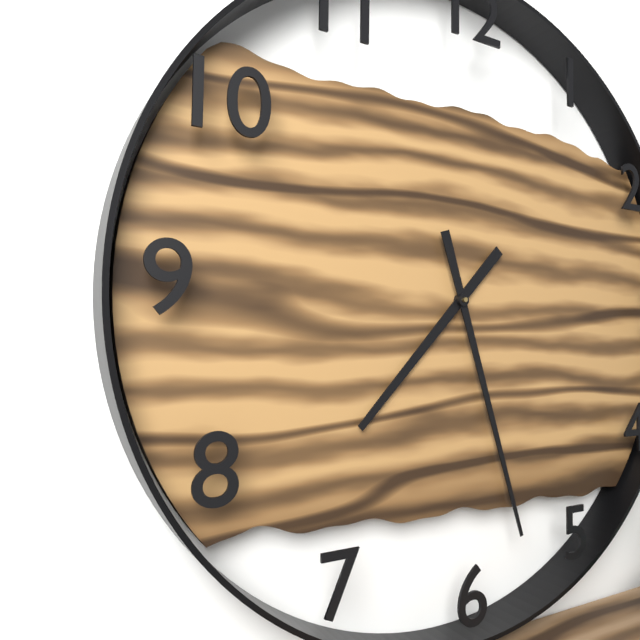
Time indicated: 7:27
